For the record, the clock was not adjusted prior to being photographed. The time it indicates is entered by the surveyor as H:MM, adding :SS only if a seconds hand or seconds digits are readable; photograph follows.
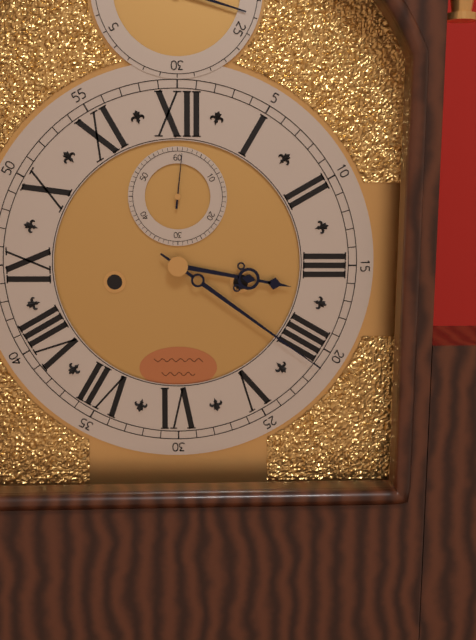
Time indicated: 3:21:01
